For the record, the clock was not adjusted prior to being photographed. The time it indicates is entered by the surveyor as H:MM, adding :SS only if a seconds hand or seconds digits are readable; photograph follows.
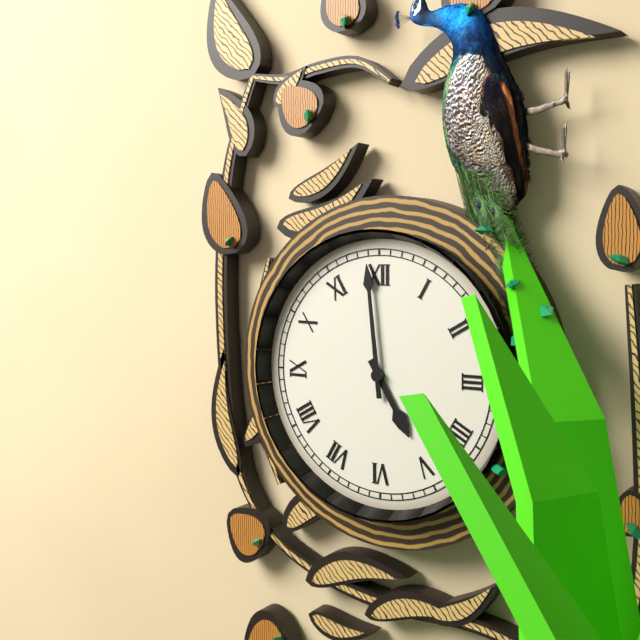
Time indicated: 4:59
